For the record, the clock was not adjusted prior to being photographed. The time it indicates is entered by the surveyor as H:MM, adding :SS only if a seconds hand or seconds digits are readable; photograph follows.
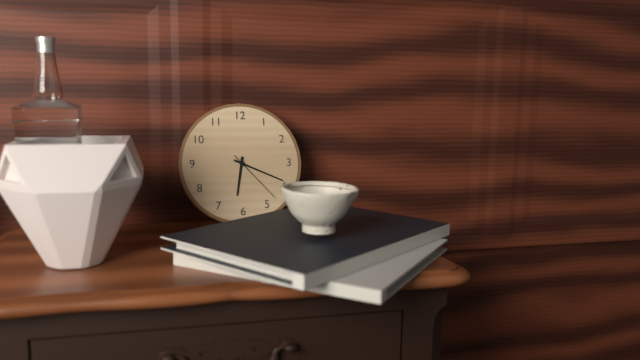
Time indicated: 6:19:23
